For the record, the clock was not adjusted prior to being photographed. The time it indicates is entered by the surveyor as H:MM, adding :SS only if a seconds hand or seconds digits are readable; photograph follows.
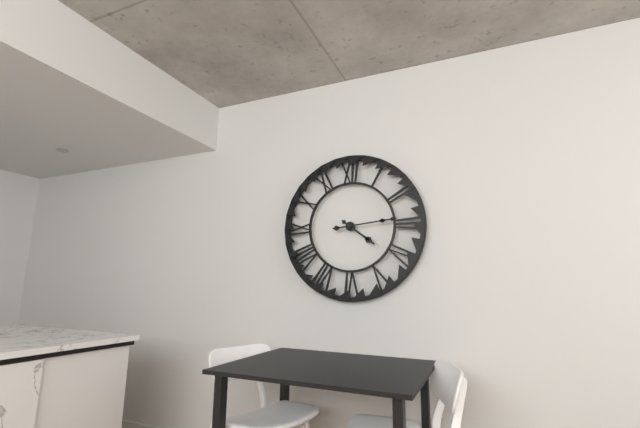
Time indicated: 4:14
